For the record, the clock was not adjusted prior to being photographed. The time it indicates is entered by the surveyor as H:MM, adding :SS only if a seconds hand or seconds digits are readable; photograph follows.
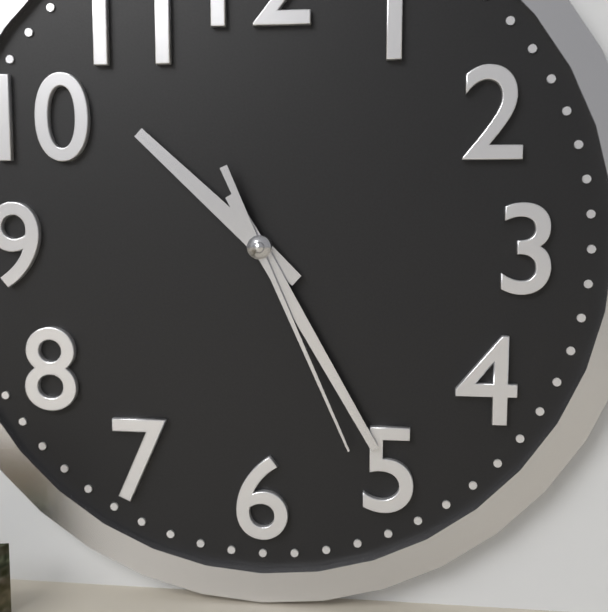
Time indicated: 10:25:26
